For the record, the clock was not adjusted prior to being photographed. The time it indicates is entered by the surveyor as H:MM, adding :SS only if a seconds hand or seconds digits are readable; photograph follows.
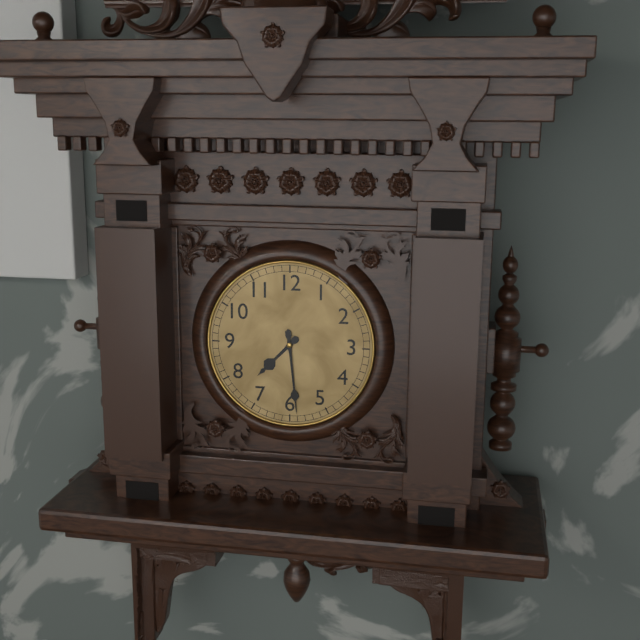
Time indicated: 7:29
